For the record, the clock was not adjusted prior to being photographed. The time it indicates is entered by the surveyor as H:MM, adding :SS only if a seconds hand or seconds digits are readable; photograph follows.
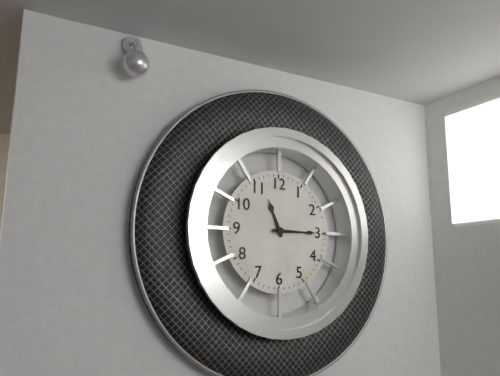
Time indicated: 11:15
